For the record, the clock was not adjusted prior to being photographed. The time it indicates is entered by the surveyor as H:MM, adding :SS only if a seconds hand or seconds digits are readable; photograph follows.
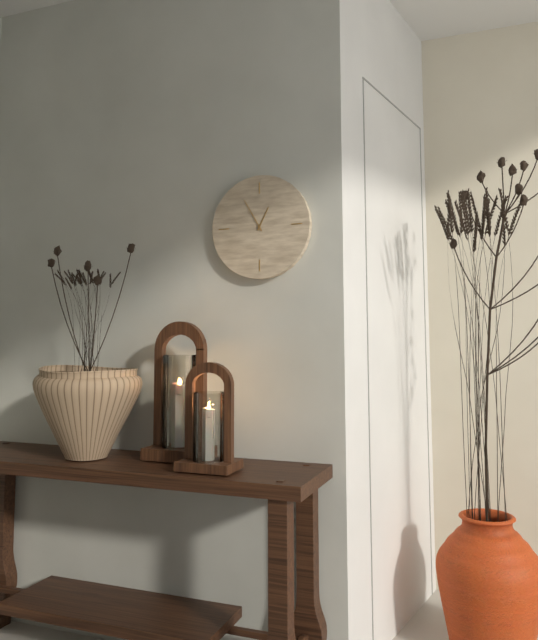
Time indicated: 12:55
